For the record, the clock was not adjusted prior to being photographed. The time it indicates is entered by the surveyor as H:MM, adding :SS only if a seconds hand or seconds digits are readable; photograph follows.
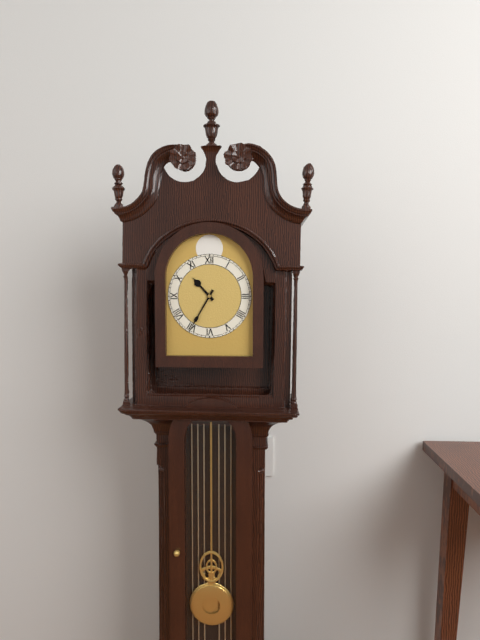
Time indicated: 10:35
